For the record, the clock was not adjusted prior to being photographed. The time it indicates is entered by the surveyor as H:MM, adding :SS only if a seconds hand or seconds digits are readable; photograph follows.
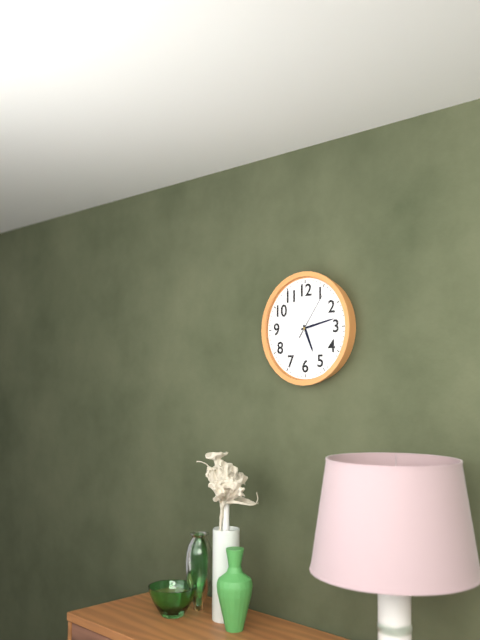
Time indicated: 5:13:06
